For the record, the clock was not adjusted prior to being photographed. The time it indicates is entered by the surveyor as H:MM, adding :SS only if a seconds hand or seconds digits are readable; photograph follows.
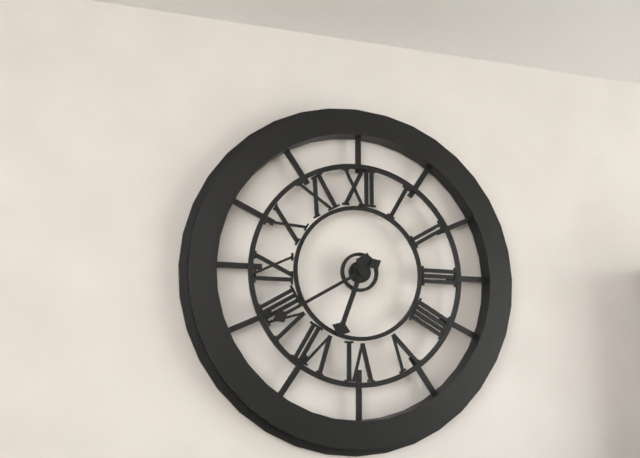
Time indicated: 6:40
